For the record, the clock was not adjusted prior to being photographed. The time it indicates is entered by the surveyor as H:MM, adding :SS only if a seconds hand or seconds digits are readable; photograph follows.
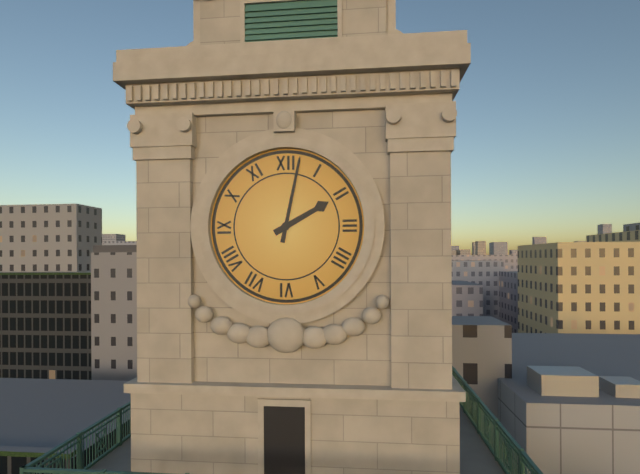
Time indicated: 2:02
